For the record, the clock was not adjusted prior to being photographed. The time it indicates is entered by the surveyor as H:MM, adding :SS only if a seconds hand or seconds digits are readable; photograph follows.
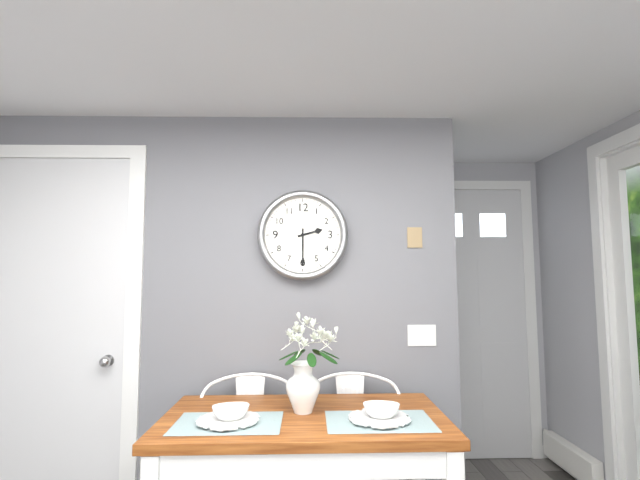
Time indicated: 2:30
